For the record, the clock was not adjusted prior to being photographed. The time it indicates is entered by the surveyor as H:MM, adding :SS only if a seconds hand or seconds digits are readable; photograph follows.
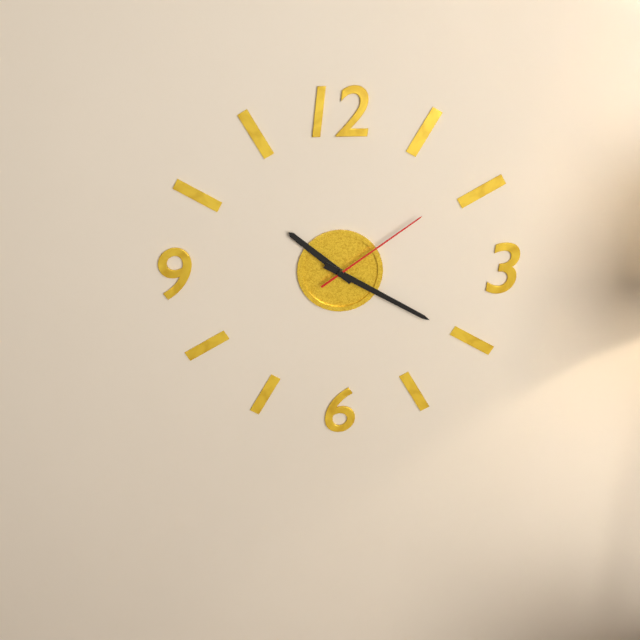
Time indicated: 10:20:09
